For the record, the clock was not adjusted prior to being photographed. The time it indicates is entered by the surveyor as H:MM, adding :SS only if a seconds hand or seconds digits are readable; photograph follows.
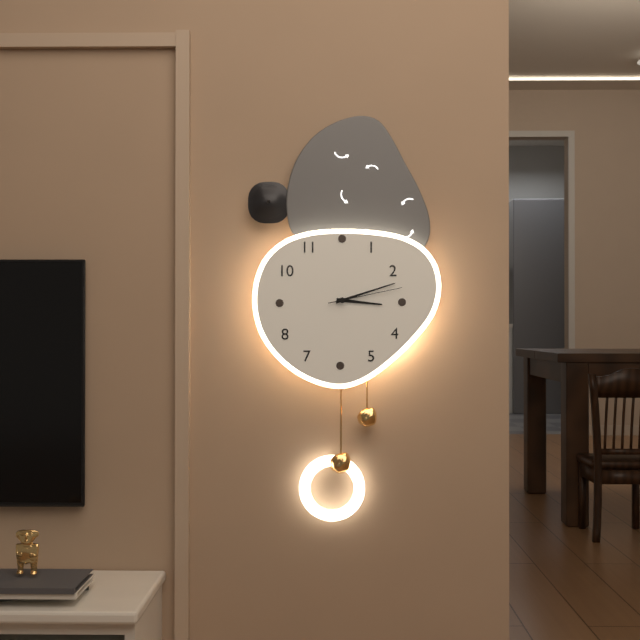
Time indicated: 3:12:13
